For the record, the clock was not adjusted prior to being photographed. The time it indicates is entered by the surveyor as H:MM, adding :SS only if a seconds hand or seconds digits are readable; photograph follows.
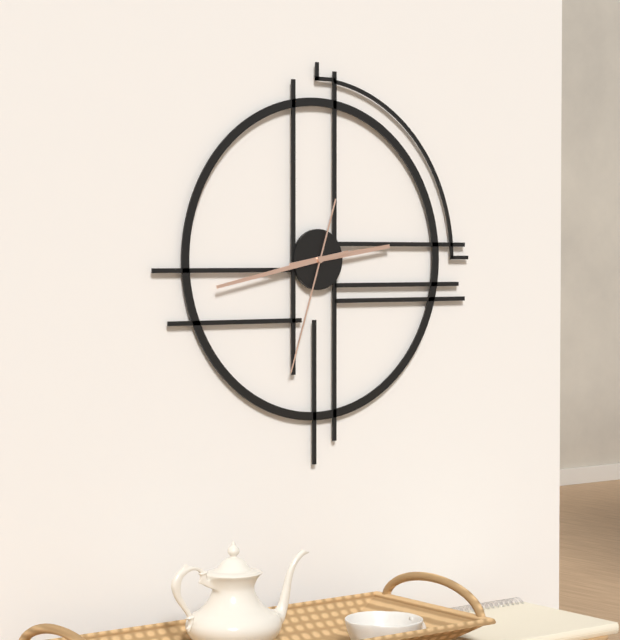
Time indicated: 2:43:33
